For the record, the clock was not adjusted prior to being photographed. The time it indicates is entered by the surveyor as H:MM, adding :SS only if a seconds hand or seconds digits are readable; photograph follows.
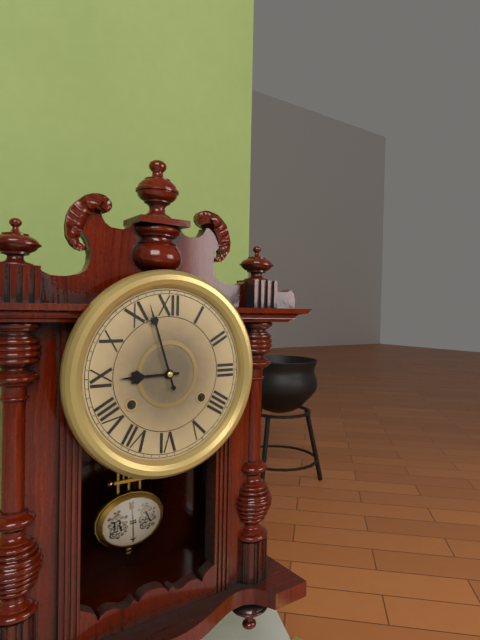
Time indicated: 8:57
